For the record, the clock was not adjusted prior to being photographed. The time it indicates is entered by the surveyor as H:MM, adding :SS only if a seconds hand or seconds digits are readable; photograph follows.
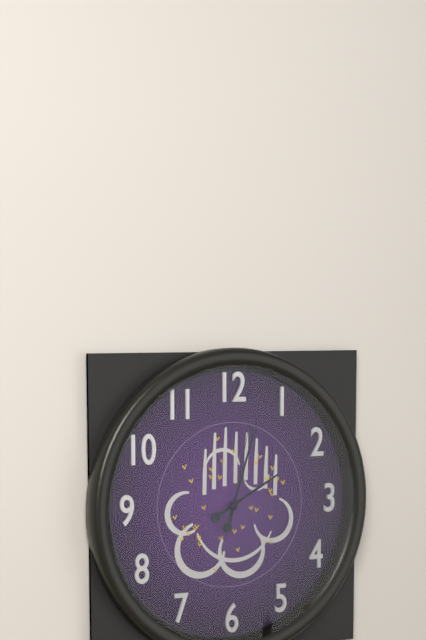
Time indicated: 2:03:02
